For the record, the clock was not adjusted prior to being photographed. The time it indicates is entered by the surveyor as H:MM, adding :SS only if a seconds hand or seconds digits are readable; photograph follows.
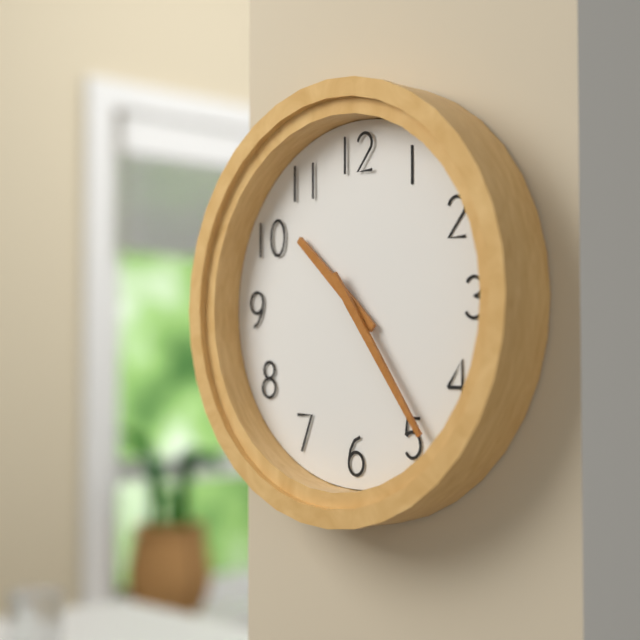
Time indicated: 10:24
